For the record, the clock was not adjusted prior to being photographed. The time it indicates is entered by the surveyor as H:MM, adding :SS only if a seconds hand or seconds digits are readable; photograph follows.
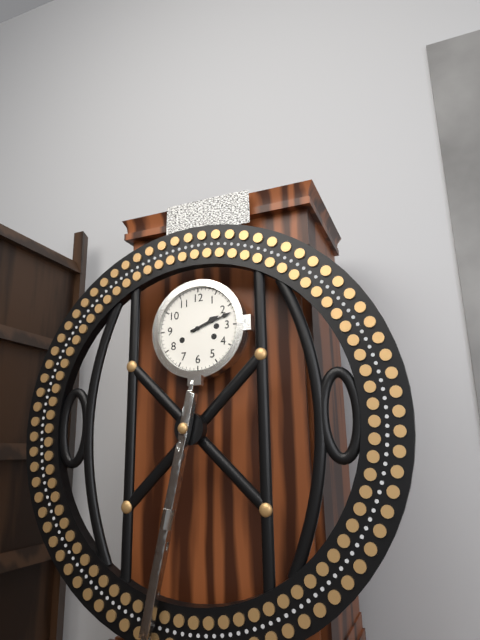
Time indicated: 2:12
